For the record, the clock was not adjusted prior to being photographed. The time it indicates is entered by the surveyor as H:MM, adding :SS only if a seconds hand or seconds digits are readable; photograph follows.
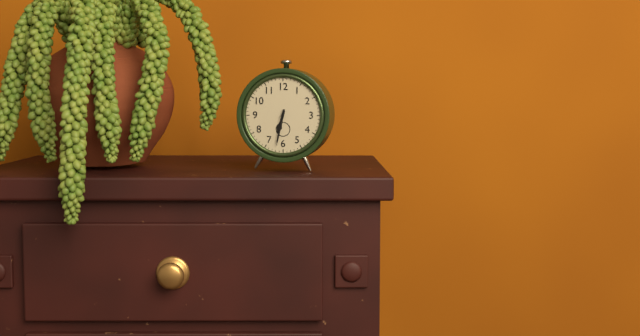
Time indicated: 6:32
